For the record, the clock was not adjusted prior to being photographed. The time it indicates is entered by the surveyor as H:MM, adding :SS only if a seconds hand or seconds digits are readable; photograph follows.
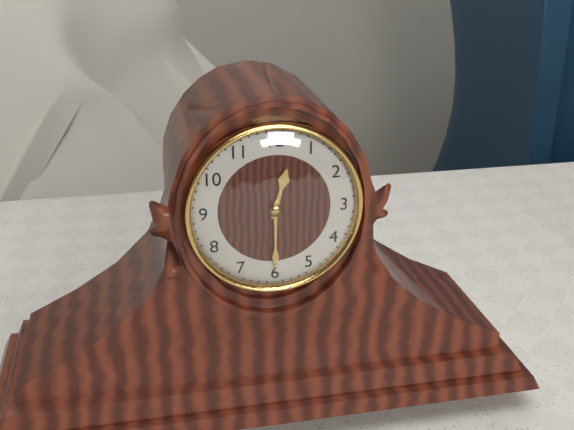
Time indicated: 12:30
